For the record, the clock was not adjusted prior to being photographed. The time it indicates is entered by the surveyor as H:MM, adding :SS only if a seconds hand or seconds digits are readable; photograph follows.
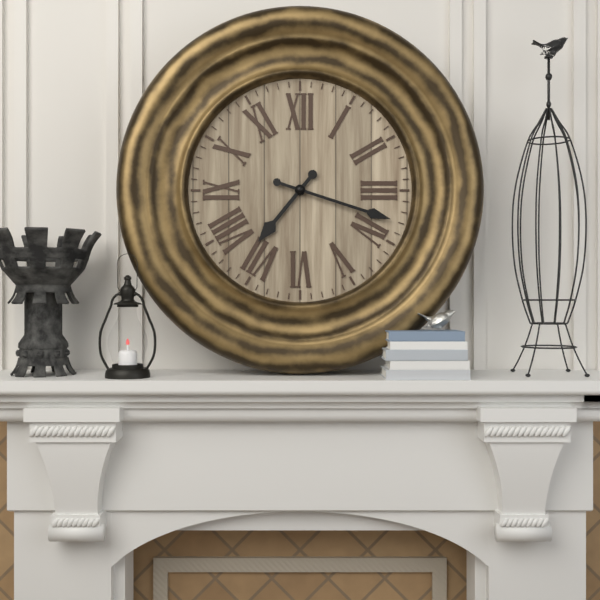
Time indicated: 7:18
